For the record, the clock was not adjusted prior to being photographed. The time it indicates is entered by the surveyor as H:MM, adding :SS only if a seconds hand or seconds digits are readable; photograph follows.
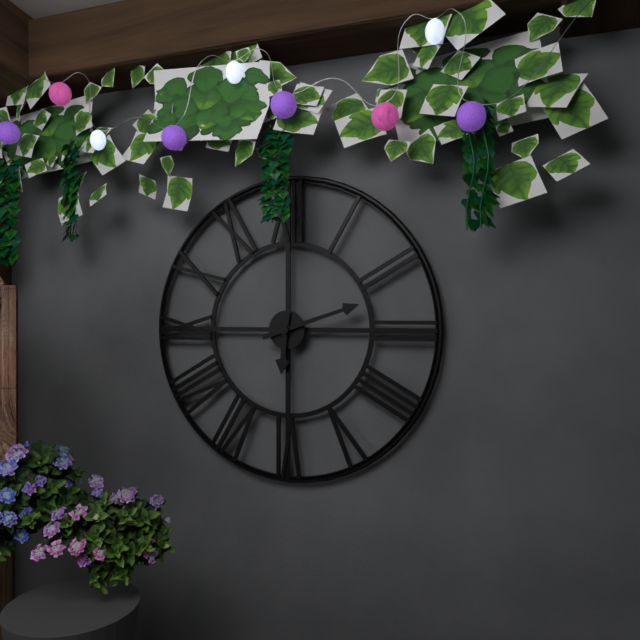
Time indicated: 6:12
